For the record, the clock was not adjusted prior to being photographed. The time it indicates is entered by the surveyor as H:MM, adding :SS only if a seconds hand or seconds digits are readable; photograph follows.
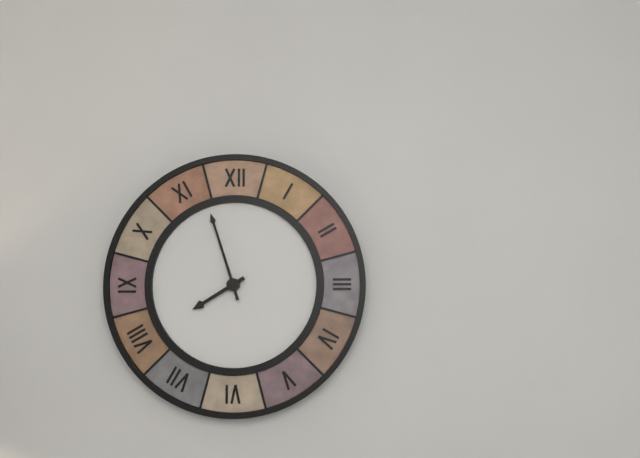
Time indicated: 7:57
